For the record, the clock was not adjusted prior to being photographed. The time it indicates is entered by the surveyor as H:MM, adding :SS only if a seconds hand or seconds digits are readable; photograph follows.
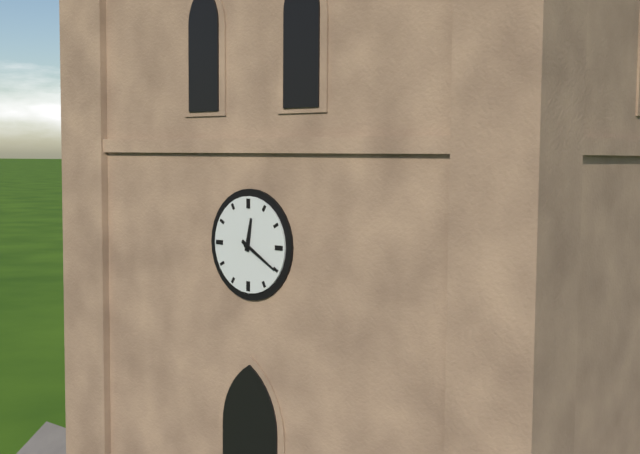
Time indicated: 12:20
